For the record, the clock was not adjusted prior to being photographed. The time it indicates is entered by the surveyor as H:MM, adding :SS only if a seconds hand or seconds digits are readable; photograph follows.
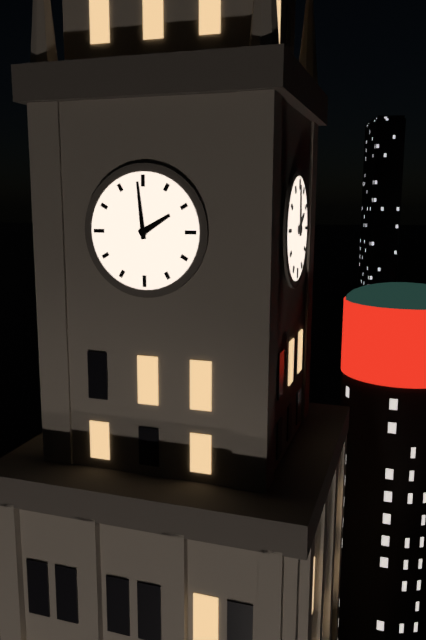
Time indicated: 1:59
